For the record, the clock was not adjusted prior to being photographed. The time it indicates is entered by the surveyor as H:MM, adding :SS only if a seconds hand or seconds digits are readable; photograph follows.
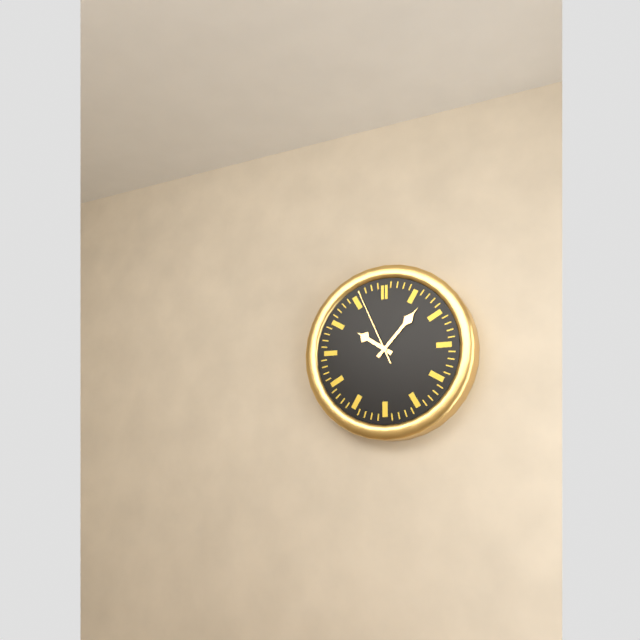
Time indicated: 10:07:56
